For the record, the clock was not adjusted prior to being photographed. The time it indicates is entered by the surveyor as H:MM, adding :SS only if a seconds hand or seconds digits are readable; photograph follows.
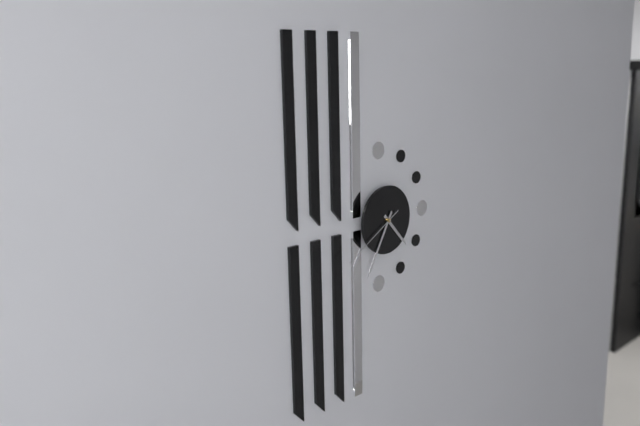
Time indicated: 4:35:40
